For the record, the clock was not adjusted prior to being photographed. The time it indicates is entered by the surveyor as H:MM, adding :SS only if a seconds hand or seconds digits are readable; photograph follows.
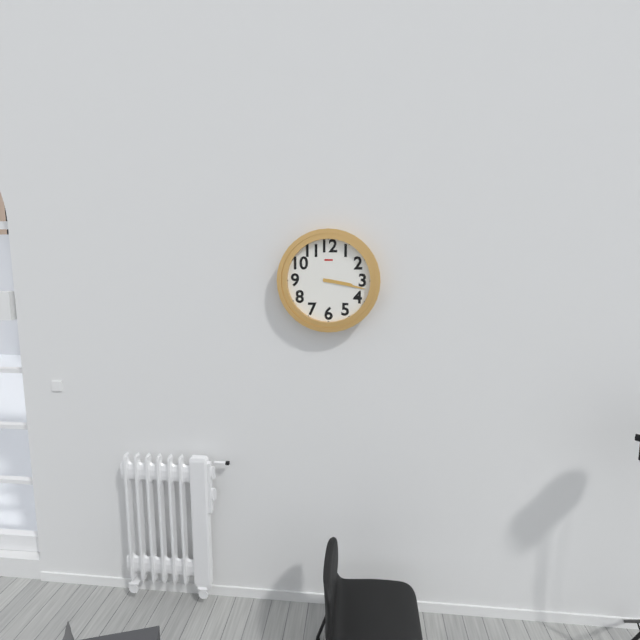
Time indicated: 3:17
